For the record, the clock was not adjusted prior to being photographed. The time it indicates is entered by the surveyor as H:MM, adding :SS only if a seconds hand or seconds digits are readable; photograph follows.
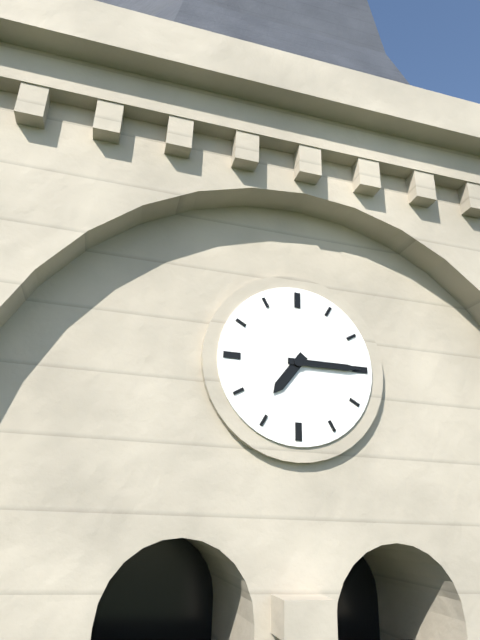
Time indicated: 7:15
